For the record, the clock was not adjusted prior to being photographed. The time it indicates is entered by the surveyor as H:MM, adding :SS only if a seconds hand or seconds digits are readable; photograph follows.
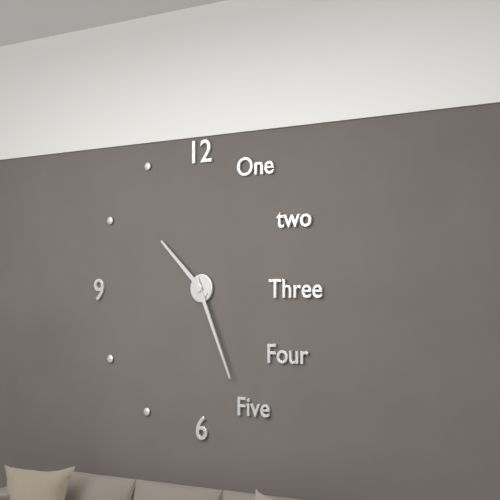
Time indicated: 10:26
